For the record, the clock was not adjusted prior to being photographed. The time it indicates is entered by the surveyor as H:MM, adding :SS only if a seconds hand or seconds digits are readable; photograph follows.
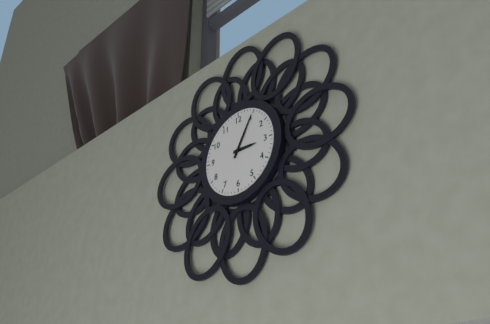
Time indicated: 3:05
